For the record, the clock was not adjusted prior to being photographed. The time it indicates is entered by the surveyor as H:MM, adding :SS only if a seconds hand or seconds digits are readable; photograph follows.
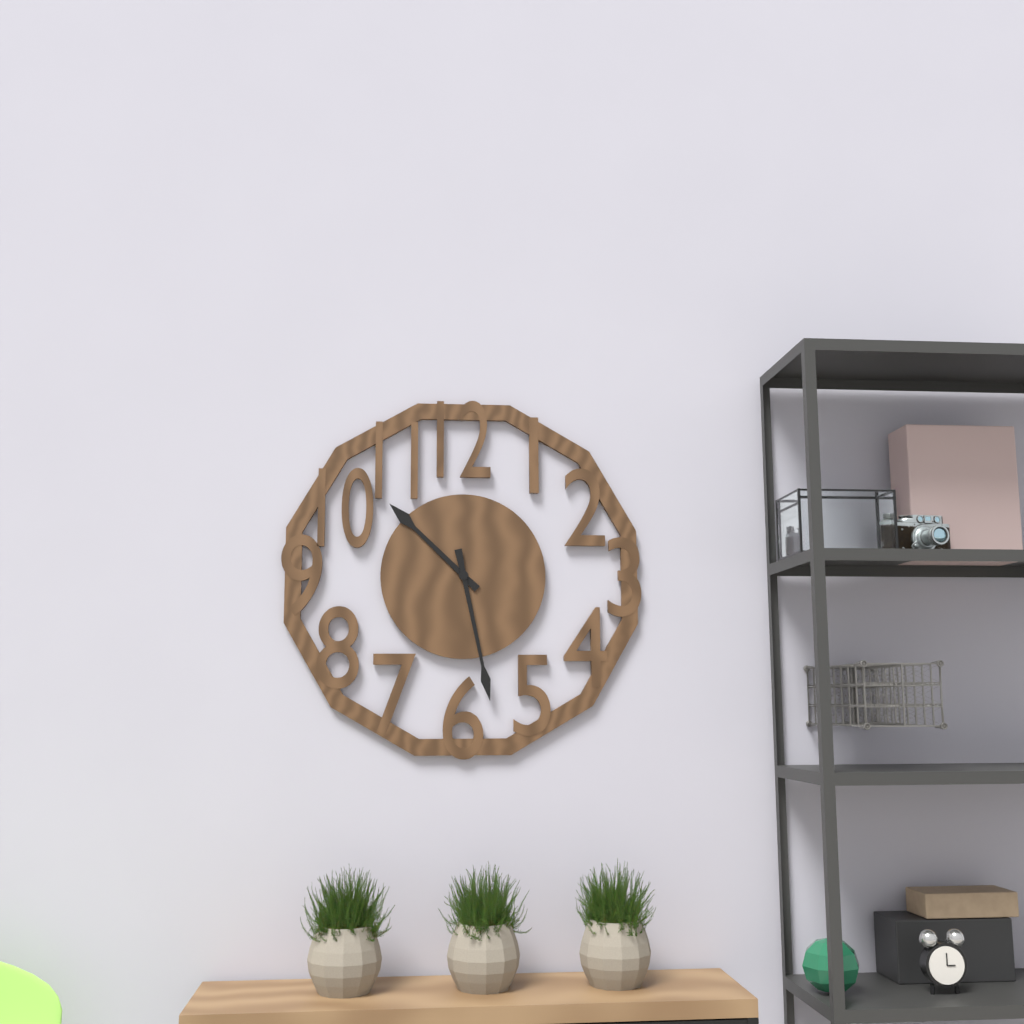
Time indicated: 10:28
